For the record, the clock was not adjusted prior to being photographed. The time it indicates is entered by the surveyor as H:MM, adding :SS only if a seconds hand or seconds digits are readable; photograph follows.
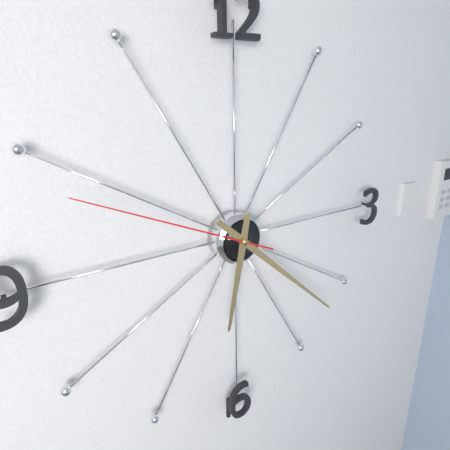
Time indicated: 6:22:49
